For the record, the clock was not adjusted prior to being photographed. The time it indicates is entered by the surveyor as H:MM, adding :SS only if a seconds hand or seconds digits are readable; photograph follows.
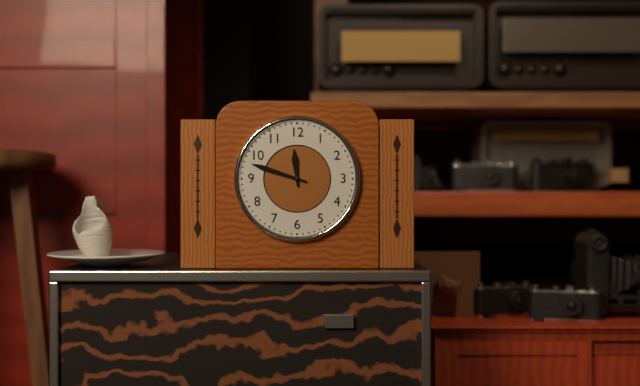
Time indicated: 11:48
